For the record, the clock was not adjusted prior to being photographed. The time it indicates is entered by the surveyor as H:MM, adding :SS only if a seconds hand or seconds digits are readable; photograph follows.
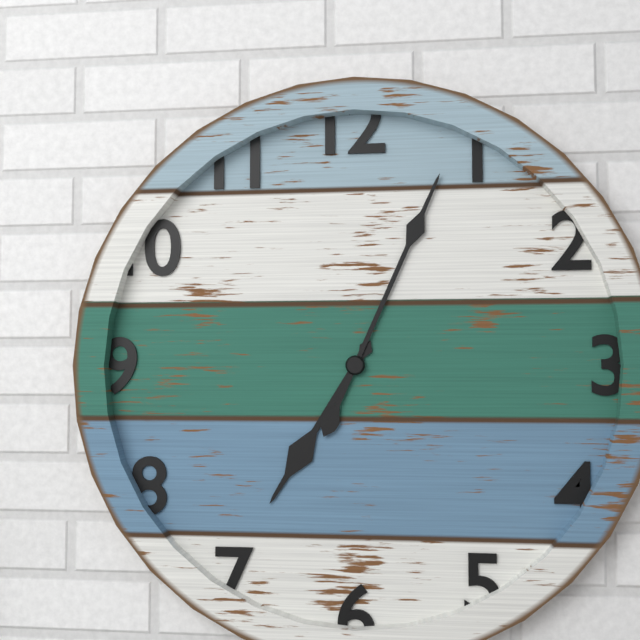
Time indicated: 7:04
